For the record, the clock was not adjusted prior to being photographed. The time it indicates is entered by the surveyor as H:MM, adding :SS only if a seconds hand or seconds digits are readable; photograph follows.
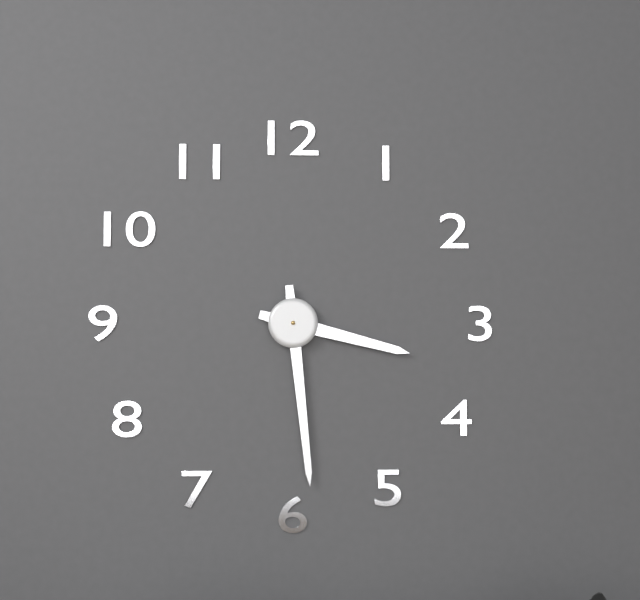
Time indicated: 3:29
